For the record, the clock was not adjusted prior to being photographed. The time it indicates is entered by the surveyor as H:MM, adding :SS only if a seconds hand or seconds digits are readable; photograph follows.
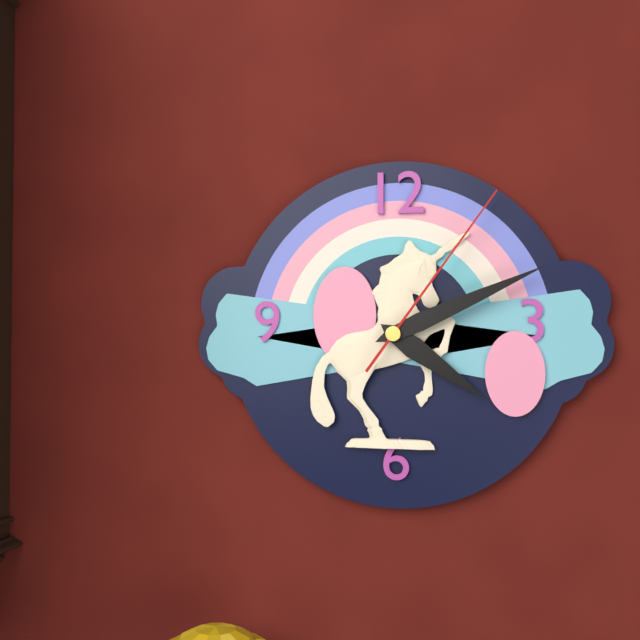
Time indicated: 4:11:06
